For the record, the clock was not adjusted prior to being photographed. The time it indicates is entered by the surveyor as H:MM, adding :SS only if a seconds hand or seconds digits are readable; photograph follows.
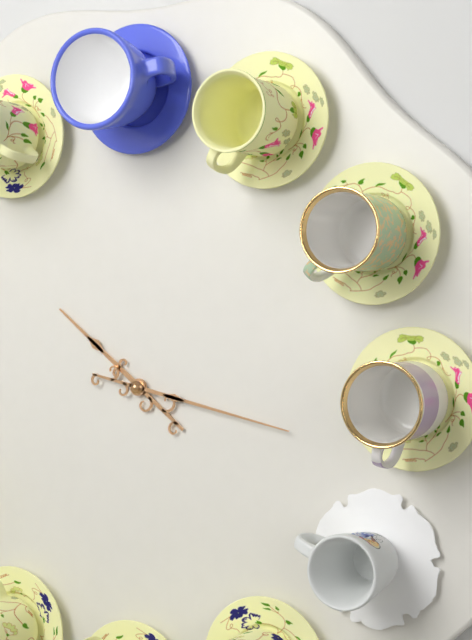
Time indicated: 10:17
